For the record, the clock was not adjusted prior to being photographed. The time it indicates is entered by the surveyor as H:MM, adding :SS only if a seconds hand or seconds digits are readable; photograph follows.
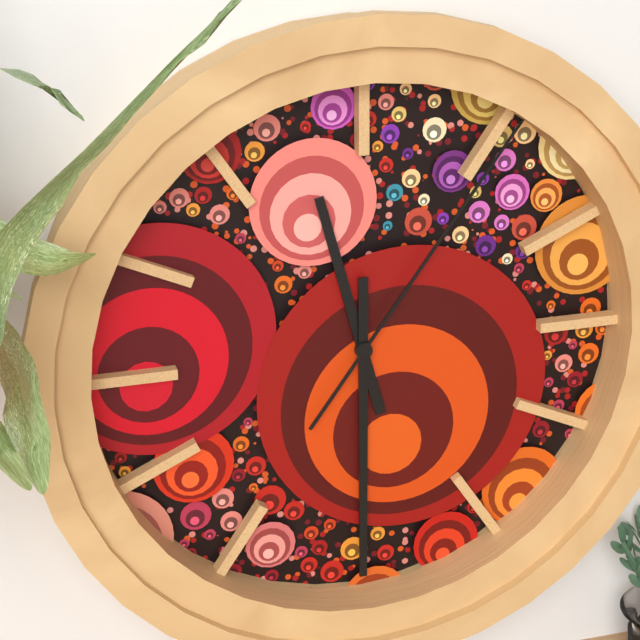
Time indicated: 11:30:06
